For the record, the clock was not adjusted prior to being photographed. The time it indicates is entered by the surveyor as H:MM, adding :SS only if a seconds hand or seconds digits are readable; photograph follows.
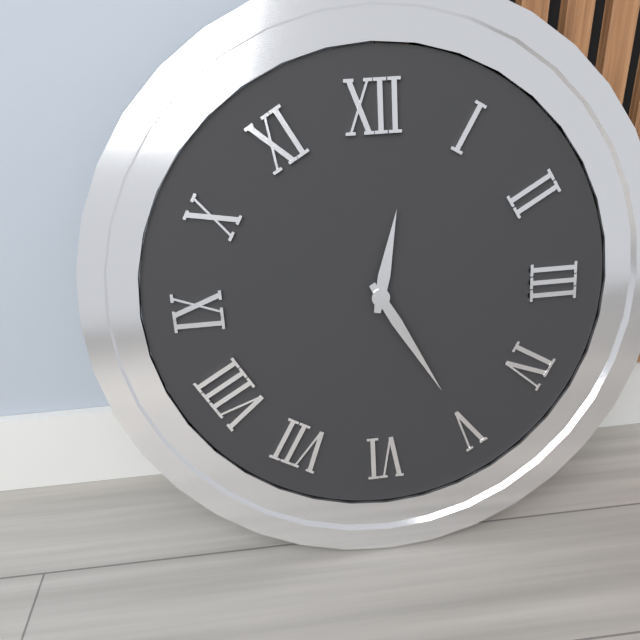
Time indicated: 12:25
